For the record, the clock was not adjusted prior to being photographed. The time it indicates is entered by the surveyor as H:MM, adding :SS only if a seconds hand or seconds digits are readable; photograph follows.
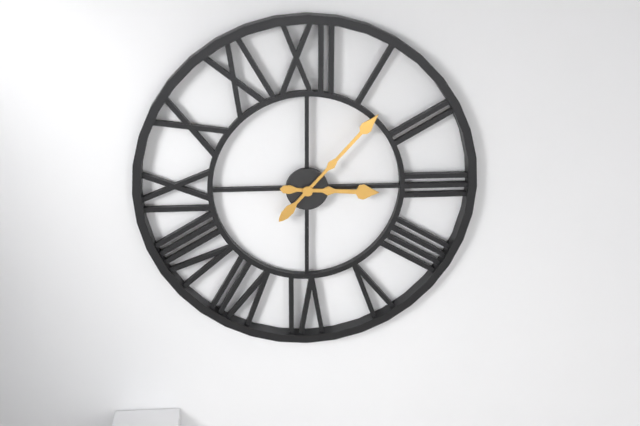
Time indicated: 3:07
